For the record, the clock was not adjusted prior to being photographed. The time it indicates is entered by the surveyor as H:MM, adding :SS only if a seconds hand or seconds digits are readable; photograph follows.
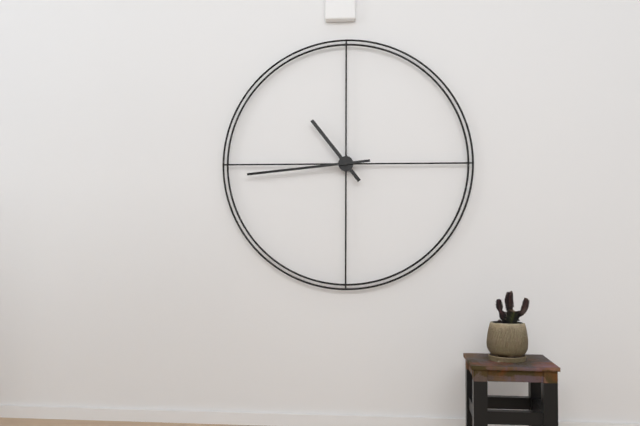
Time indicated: 10:44
